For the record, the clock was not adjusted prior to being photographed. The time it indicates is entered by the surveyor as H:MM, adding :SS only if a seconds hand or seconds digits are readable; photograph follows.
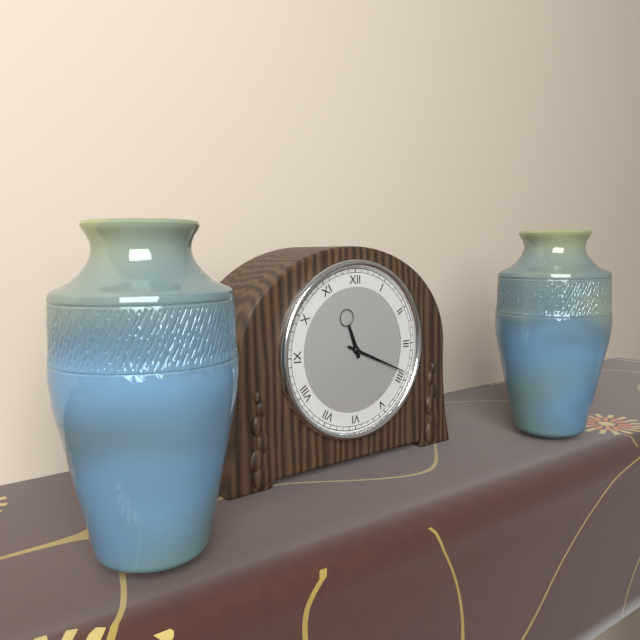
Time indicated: 11:19
